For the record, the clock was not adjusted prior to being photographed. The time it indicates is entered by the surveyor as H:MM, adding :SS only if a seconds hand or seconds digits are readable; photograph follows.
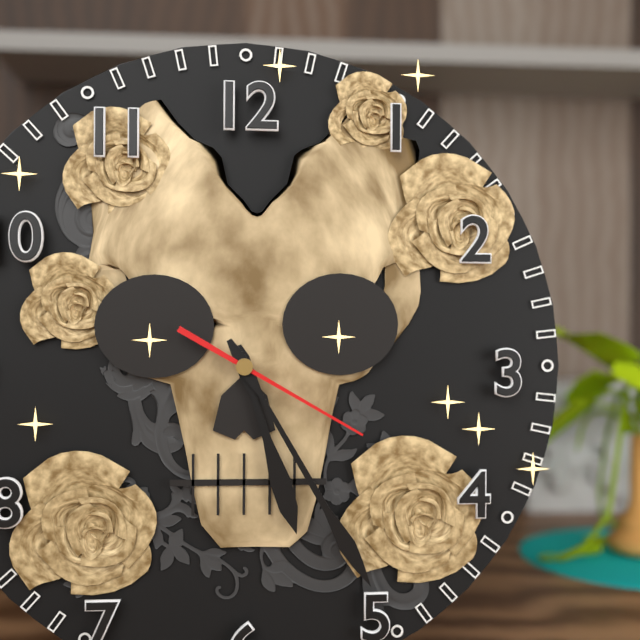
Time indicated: 5:25:20
